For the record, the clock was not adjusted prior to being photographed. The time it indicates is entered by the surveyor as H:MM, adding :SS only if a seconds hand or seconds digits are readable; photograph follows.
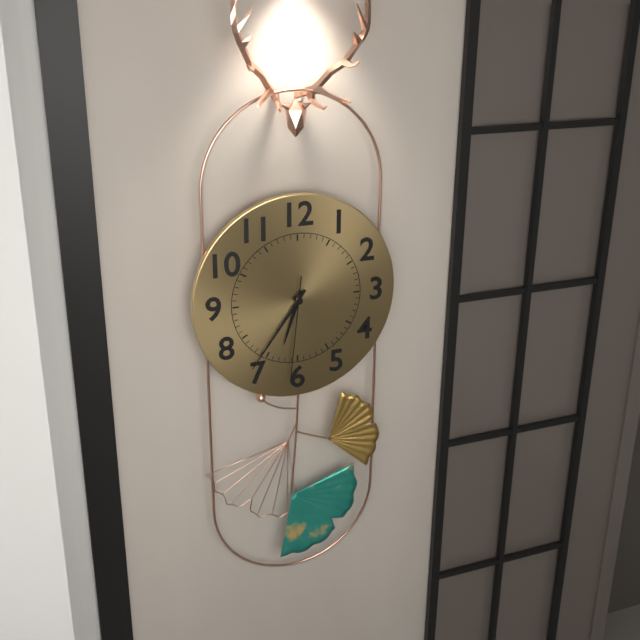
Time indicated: 6:36:31
